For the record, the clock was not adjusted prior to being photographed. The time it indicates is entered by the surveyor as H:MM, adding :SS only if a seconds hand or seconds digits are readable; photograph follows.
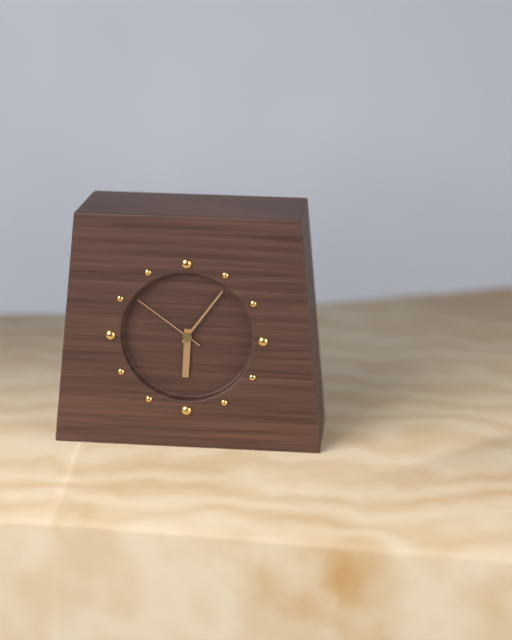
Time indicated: 6:06:51
